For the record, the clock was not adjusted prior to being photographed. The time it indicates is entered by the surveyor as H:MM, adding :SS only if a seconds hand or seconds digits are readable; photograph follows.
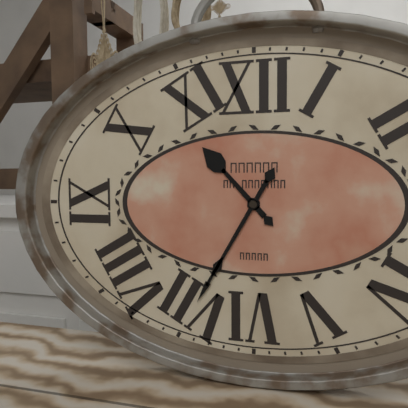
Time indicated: 10:35
